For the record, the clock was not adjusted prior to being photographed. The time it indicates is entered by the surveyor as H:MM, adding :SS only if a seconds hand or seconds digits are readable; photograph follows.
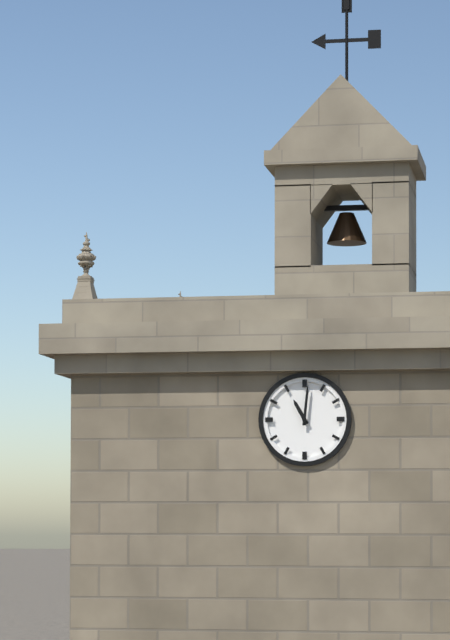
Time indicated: 11:01
